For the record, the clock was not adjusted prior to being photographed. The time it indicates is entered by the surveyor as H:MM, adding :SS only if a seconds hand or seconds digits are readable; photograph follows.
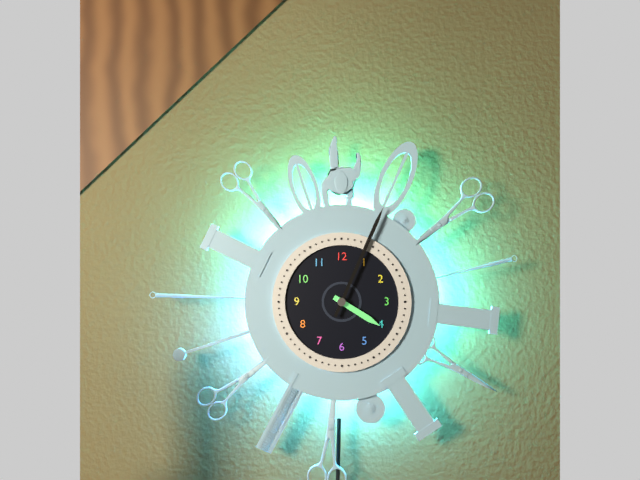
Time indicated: 4:04
